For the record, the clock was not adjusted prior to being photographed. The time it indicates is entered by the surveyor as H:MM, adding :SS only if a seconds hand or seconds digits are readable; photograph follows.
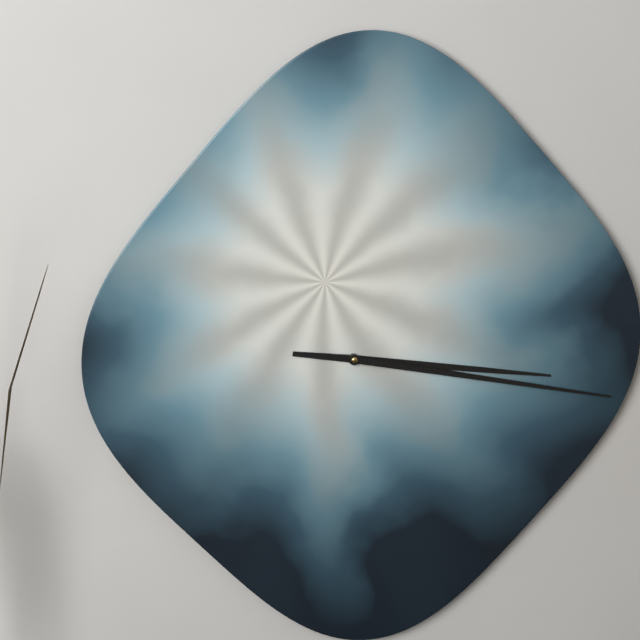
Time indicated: 3:17
